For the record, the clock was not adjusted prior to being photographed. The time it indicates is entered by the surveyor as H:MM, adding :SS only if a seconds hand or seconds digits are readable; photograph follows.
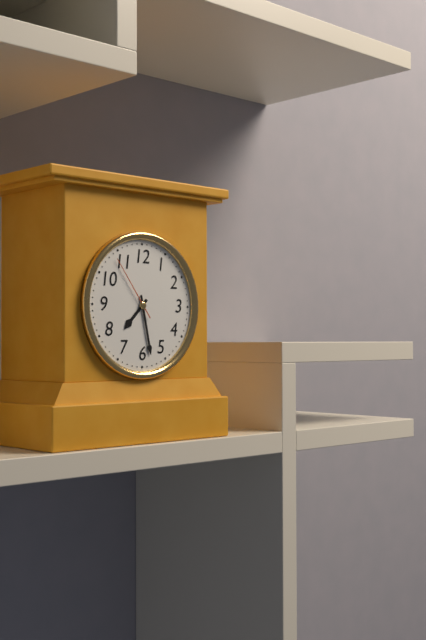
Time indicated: 7:28:54
